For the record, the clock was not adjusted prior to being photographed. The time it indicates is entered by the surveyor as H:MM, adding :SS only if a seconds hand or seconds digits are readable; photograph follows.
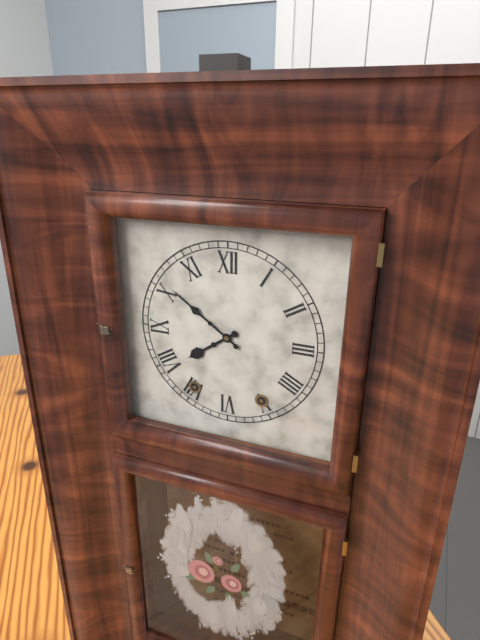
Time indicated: 7:51
